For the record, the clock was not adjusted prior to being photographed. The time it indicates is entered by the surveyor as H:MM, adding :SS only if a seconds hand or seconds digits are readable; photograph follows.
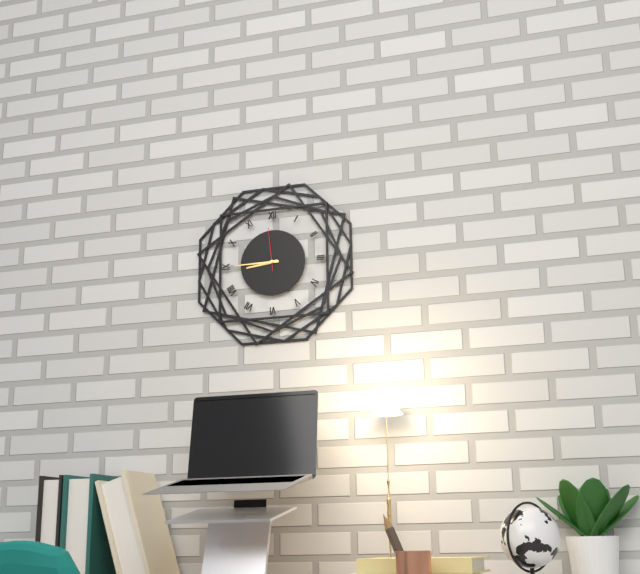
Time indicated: 8:45
